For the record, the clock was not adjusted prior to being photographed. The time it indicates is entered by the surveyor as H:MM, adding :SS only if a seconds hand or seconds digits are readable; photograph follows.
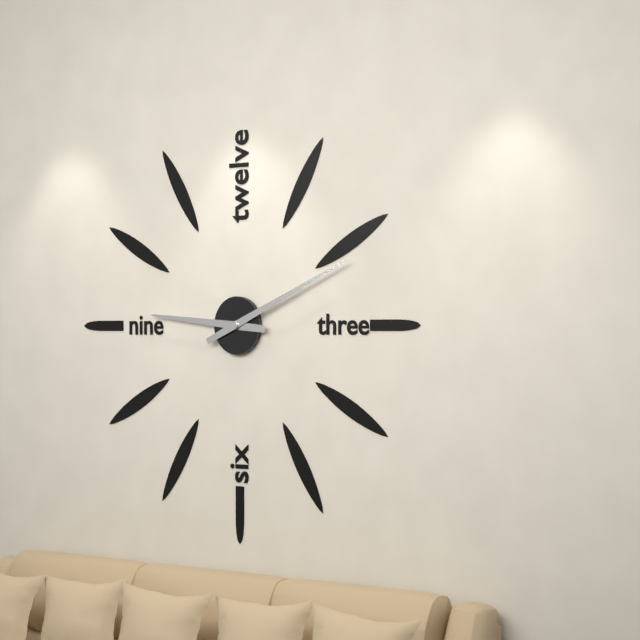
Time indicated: 9:11
